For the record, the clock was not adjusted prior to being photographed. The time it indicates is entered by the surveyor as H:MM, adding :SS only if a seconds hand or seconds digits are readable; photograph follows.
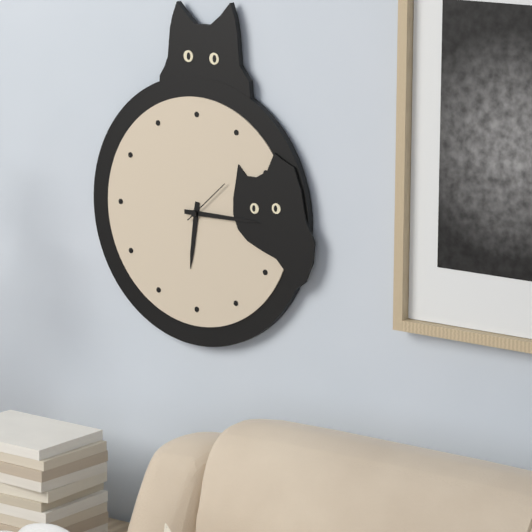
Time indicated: 6:15:08
